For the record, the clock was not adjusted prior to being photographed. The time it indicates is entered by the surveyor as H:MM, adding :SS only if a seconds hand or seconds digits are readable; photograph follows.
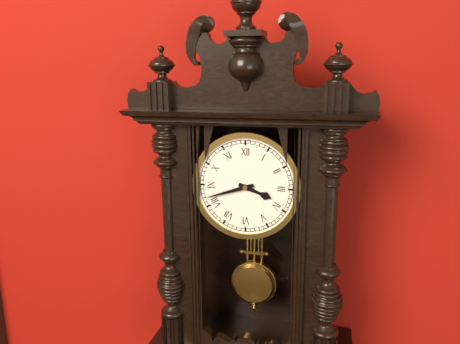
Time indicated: 3:42
